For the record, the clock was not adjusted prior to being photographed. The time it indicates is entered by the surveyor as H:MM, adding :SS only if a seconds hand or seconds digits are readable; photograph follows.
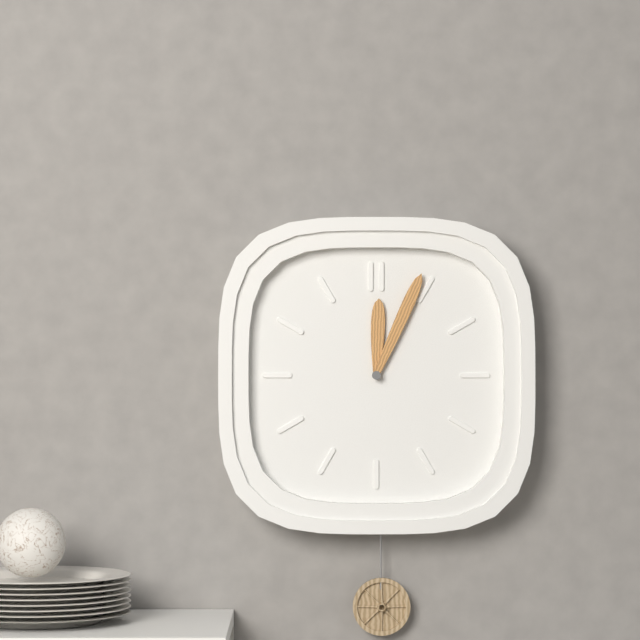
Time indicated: 12:04
